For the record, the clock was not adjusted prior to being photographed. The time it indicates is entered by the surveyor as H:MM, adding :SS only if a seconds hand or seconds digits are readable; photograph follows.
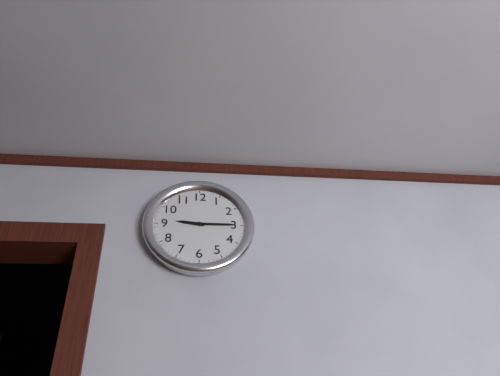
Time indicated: 9:15
